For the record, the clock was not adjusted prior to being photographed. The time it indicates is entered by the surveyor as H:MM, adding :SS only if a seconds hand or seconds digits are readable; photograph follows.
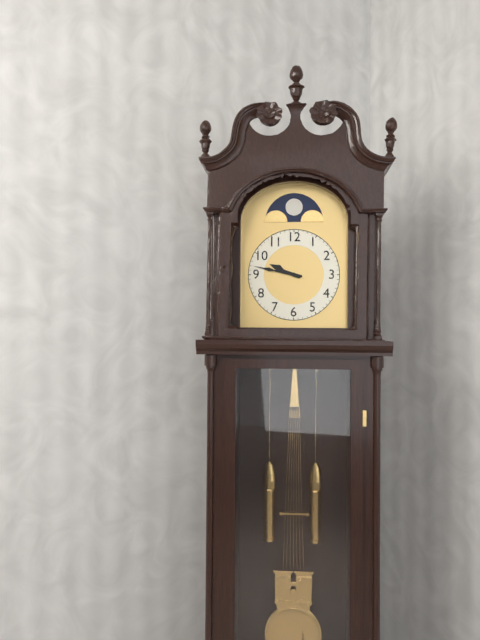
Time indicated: 9:47
